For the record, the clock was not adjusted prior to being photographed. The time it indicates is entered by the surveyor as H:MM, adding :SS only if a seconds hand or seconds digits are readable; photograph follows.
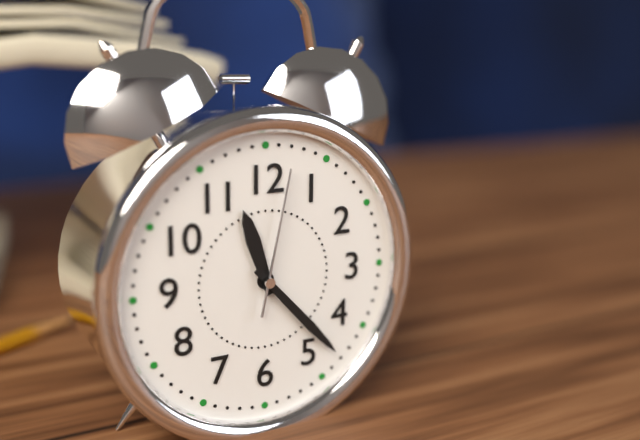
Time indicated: 11:23:02
